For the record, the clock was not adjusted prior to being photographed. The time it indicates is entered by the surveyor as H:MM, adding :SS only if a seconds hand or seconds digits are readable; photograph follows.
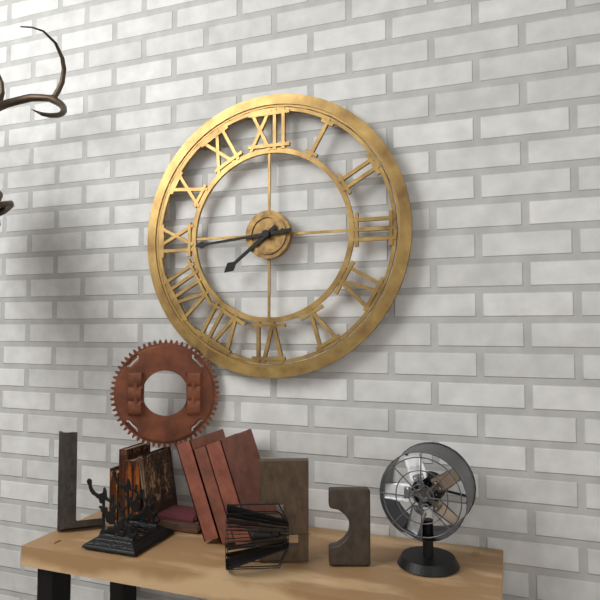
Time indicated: 7:44
